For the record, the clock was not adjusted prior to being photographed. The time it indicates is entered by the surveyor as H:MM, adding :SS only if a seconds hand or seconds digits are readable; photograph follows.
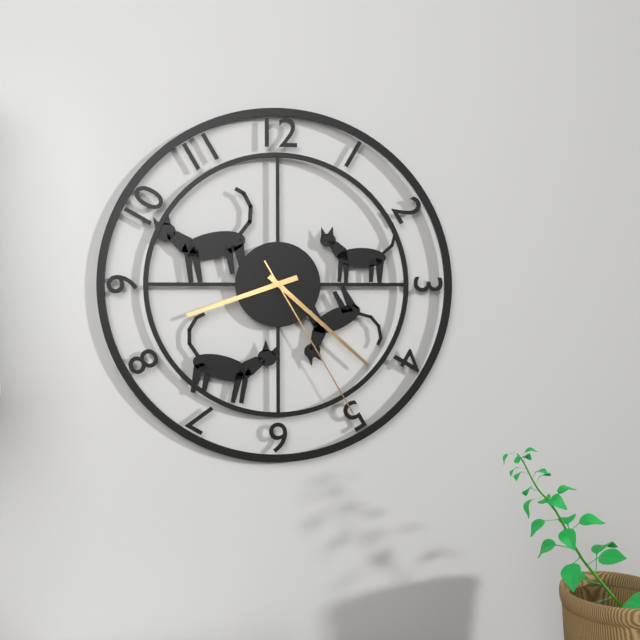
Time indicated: 8:22:25
